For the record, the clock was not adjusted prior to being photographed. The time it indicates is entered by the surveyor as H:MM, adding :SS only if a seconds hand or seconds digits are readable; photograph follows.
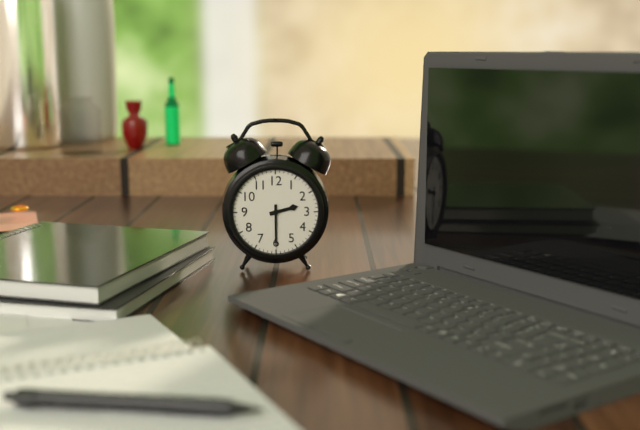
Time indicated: 2:30
